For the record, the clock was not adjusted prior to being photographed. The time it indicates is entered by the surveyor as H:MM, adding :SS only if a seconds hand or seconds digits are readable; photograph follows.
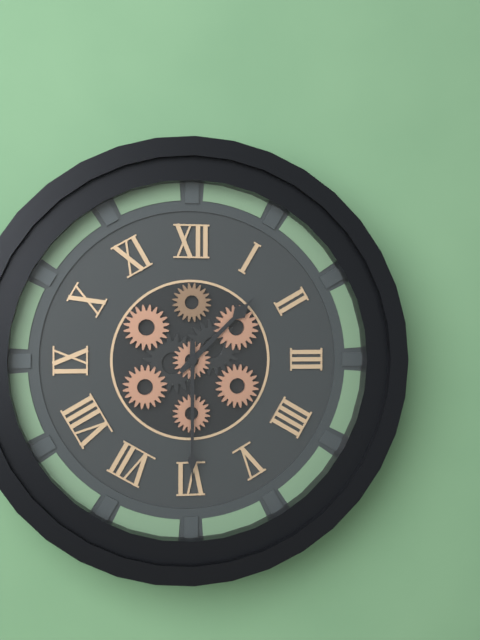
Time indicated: 1:30
